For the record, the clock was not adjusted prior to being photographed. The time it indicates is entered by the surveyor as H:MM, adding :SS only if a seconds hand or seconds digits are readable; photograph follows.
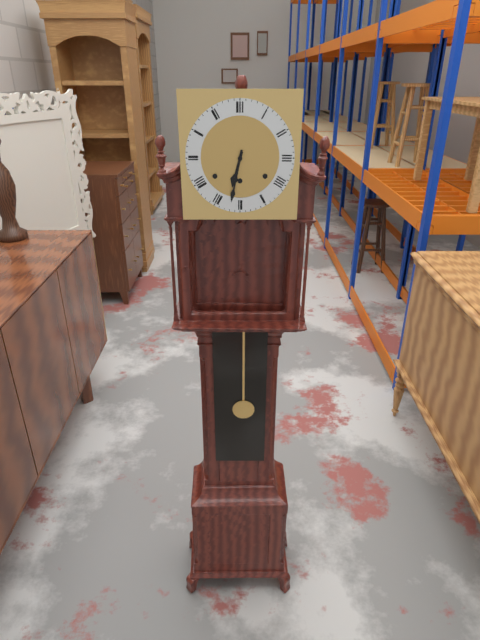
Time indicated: 6:32
